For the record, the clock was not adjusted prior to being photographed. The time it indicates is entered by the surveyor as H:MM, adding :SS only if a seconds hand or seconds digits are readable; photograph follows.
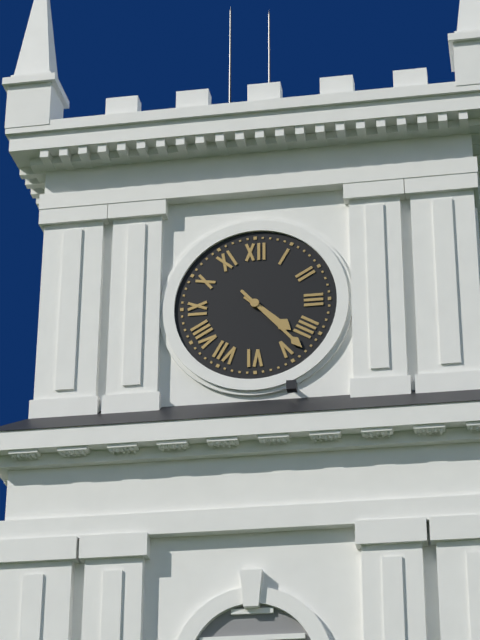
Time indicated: 4:23
